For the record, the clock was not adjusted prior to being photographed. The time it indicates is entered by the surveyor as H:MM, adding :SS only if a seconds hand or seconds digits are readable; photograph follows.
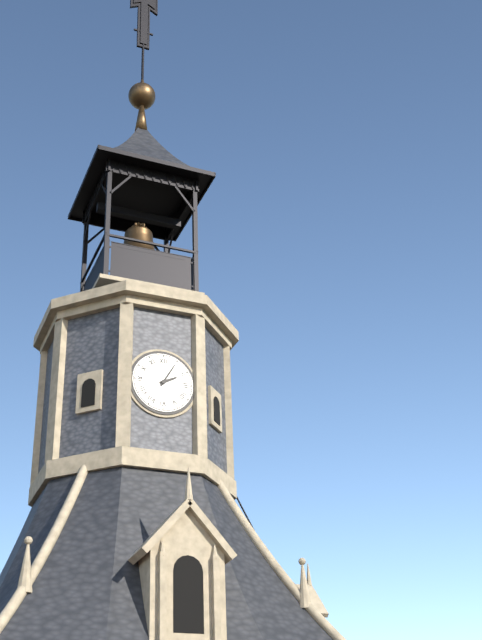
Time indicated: 2:05
